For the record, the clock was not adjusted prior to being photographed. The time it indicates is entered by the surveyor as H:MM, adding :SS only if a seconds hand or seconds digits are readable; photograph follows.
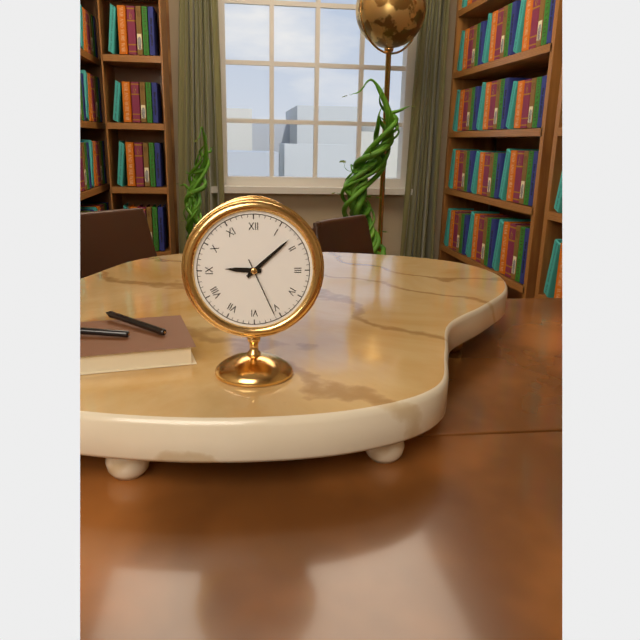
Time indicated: 9:08:26
